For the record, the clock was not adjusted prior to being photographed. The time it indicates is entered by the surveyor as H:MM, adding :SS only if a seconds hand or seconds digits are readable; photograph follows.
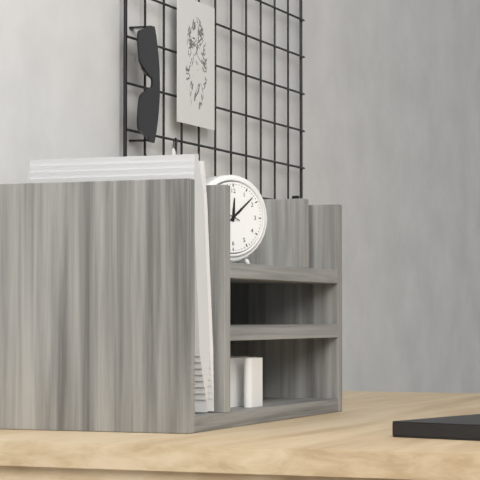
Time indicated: 12:08
